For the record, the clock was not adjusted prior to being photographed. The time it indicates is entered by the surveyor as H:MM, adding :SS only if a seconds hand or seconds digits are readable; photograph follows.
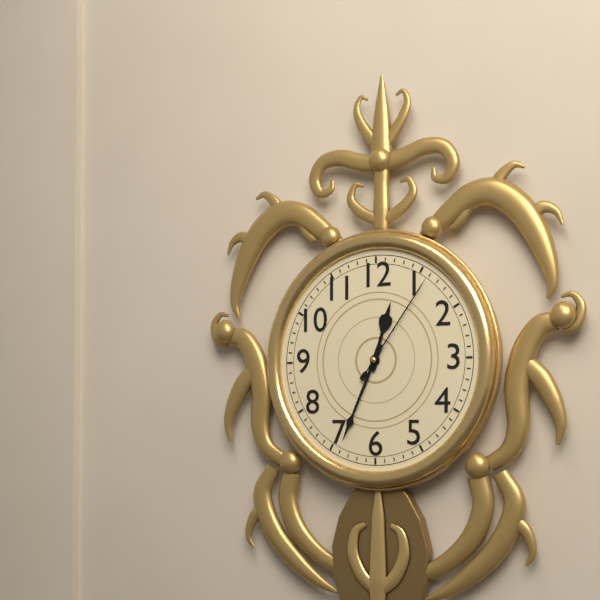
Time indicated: 12:34:06
